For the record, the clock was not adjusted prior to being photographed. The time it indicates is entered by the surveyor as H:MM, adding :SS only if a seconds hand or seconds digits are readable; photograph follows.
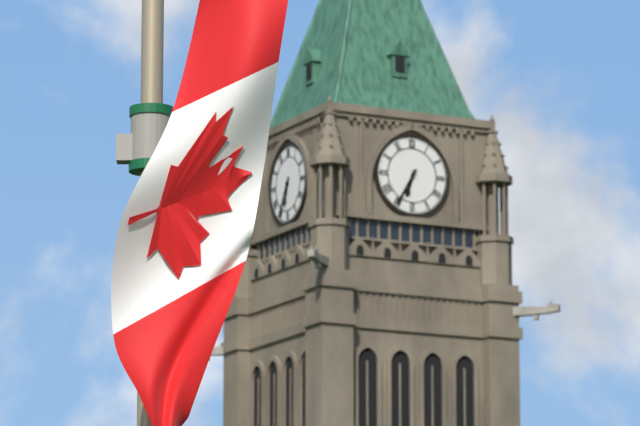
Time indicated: 6:35
